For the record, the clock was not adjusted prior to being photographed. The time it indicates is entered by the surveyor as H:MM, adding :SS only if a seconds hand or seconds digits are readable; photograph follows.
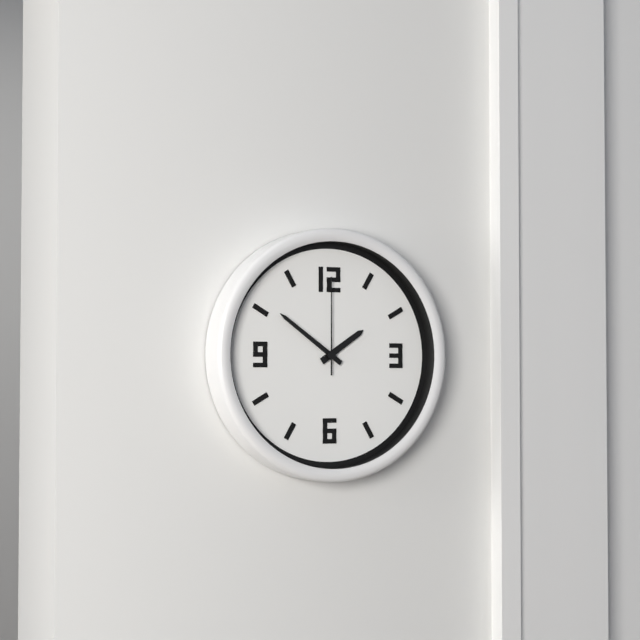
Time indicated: 1:51:00
